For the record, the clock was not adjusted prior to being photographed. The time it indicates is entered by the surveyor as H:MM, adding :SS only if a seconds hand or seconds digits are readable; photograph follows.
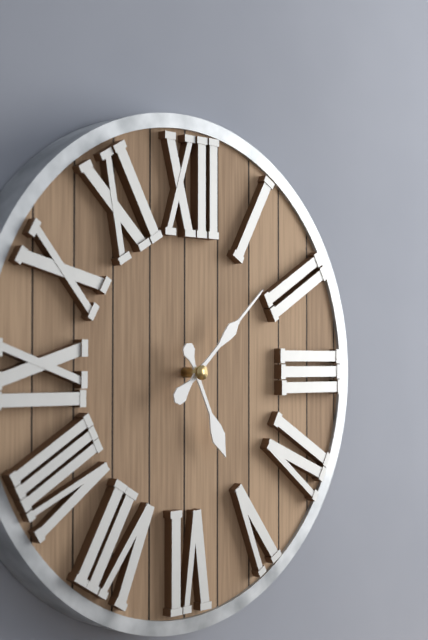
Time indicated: 5:08
